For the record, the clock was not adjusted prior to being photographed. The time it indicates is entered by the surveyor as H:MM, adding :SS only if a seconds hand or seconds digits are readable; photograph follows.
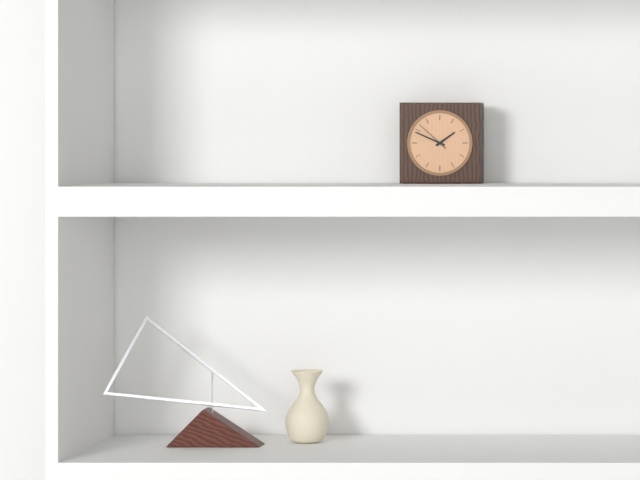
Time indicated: 1:49
